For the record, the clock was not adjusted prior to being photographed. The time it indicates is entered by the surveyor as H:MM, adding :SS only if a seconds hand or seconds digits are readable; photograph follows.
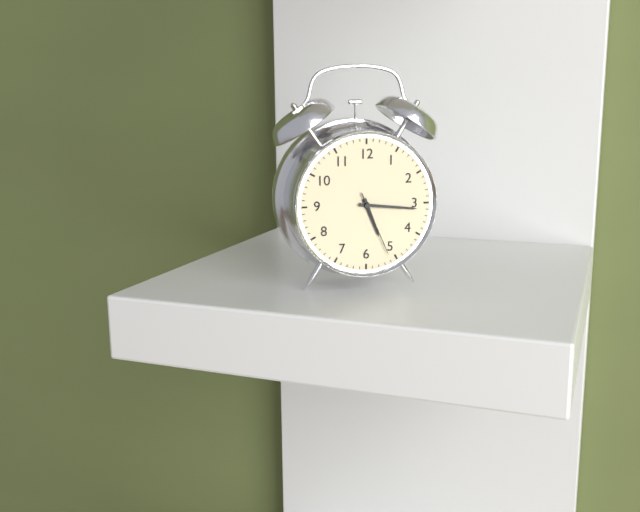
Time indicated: 5:16:26
